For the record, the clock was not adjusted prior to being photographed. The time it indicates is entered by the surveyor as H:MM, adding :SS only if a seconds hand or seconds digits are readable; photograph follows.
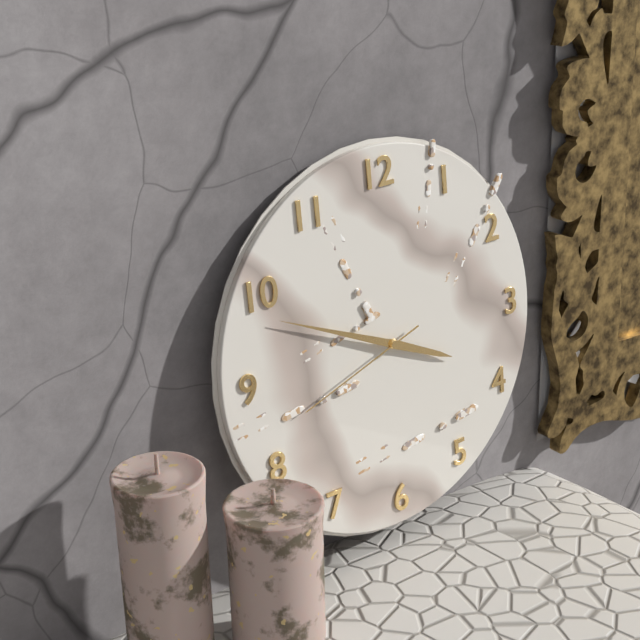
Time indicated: 3:49:42
